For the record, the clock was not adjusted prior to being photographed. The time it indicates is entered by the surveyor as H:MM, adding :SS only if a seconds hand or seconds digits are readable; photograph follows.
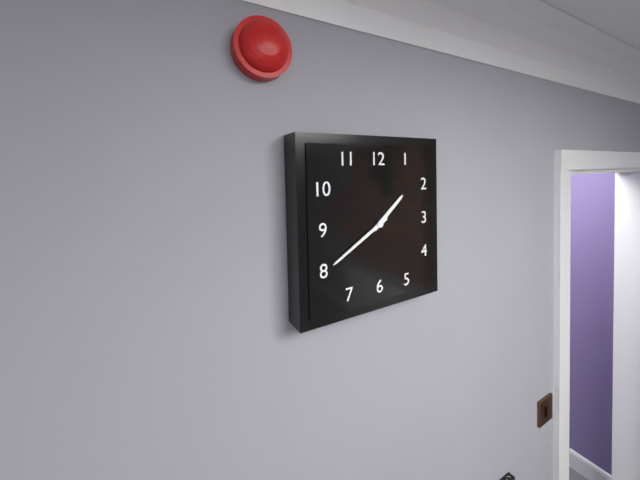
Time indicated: 1:40
